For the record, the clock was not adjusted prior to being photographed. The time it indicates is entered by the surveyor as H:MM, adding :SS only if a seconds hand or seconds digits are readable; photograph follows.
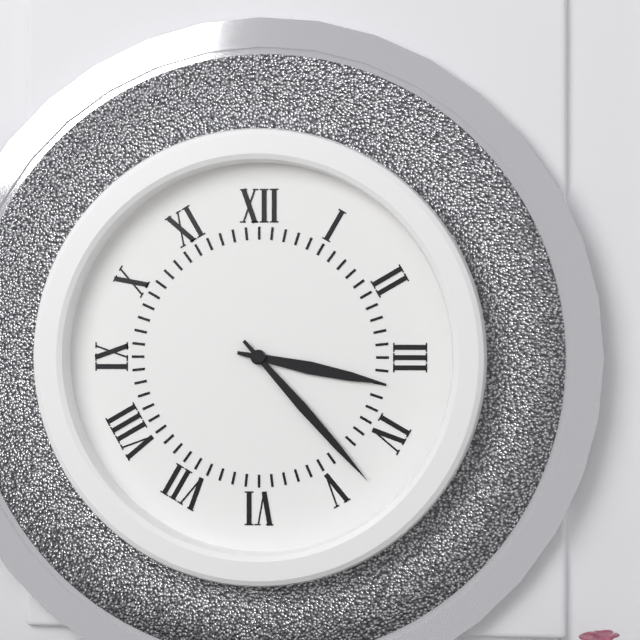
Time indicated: 3:23
